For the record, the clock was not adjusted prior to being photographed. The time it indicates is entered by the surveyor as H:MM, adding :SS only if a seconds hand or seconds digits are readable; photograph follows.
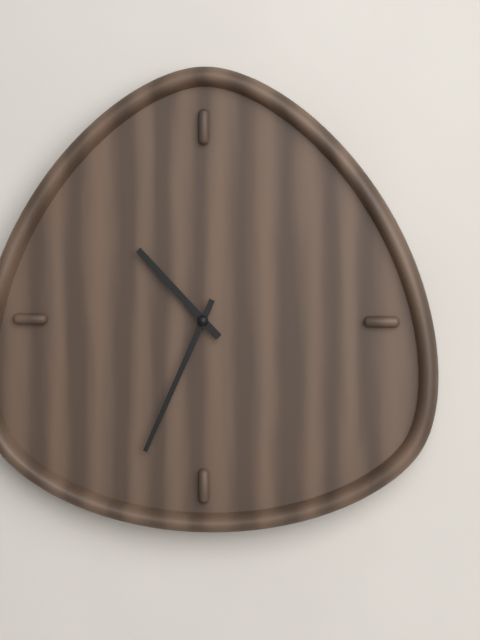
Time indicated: 10:34
